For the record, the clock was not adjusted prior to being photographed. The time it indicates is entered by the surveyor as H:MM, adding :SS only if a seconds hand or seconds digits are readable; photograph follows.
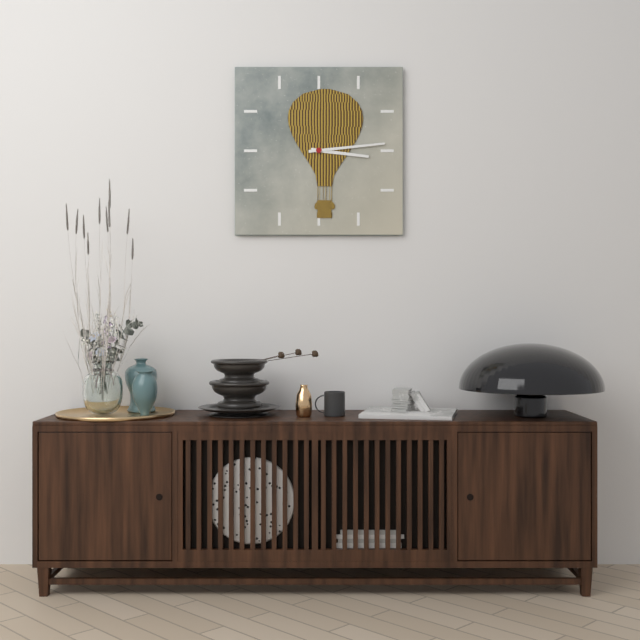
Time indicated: 3:14
